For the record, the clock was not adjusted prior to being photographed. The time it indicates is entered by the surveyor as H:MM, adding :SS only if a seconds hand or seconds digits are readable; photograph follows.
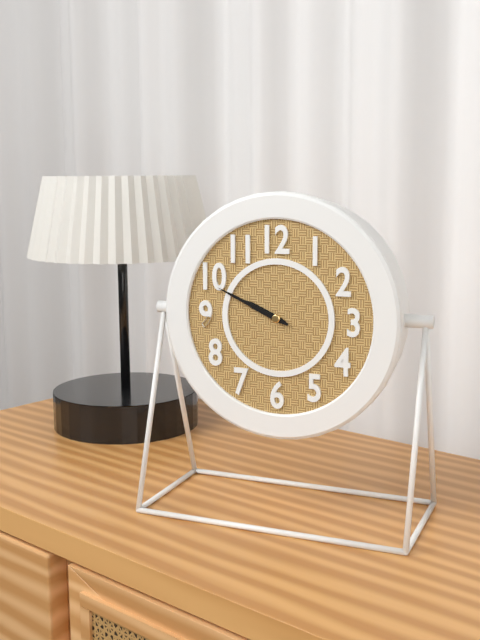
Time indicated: 9:49
